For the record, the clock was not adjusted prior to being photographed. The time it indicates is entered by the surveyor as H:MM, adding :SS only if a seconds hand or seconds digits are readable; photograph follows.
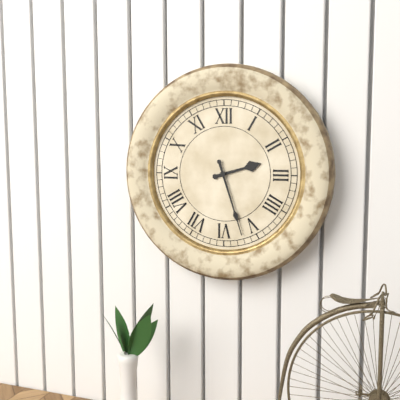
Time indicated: 2:27
